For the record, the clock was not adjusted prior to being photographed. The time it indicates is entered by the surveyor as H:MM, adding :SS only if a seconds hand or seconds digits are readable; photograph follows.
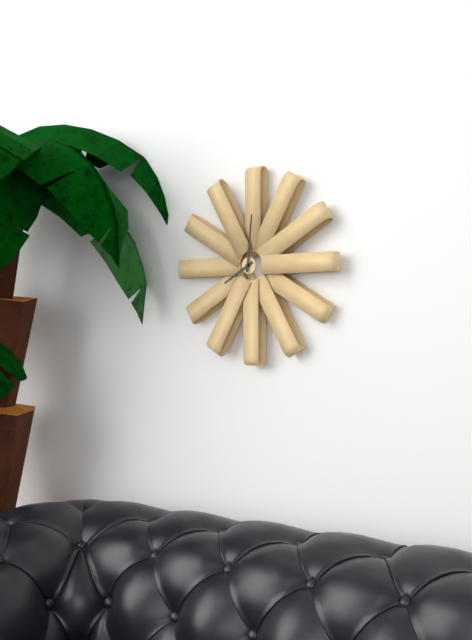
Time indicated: 8:01
